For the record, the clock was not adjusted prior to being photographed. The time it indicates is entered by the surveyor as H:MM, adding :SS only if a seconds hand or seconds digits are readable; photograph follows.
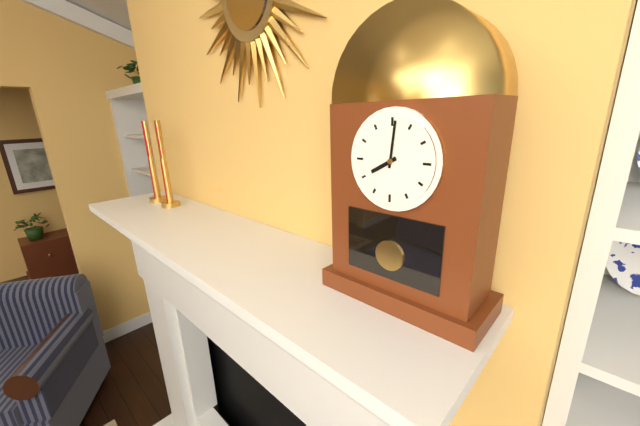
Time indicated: 8:01
